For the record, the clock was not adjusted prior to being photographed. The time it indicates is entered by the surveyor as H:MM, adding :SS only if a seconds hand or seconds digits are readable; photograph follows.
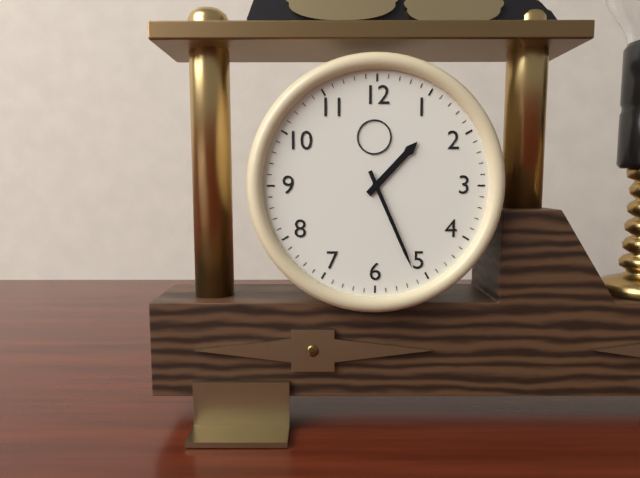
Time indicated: 1:26
